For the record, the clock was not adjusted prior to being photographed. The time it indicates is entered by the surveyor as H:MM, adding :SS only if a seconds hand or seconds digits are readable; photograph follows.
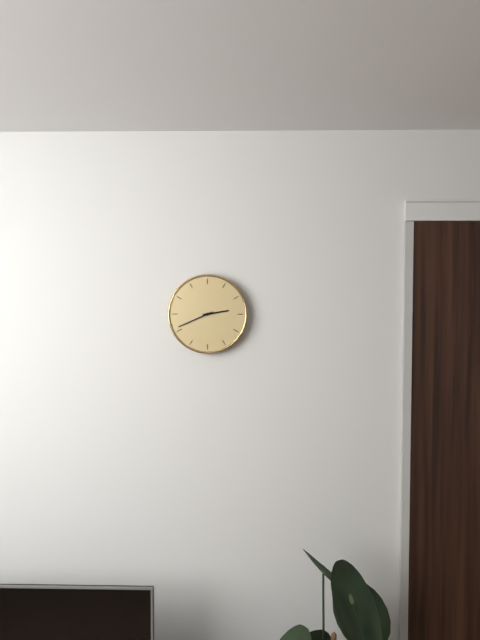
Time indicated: 2:41
